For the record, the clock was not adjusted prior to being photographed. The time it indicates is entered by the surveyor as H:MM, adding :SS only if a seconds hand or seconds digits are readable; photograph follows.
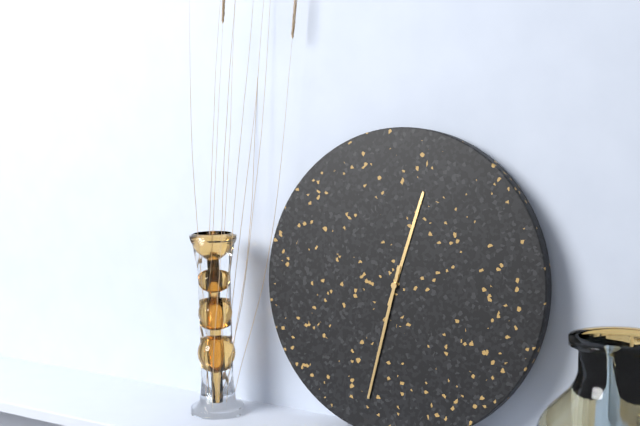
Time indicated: 12:32
